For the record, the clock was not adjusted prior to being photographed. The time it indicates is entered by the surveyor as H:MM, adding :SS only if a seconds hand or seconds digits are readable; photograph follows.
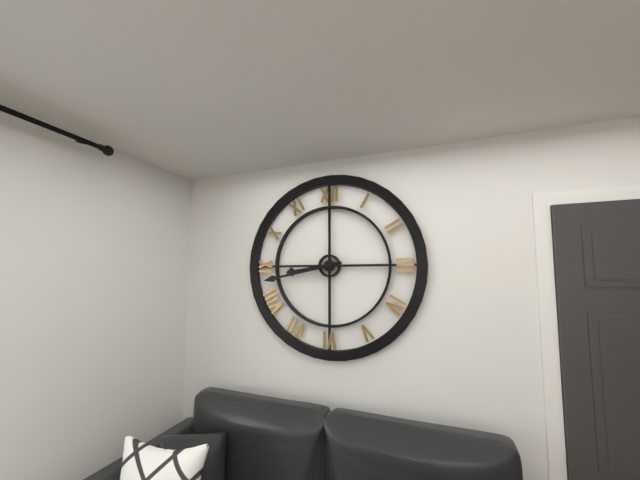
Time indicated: 8:43
